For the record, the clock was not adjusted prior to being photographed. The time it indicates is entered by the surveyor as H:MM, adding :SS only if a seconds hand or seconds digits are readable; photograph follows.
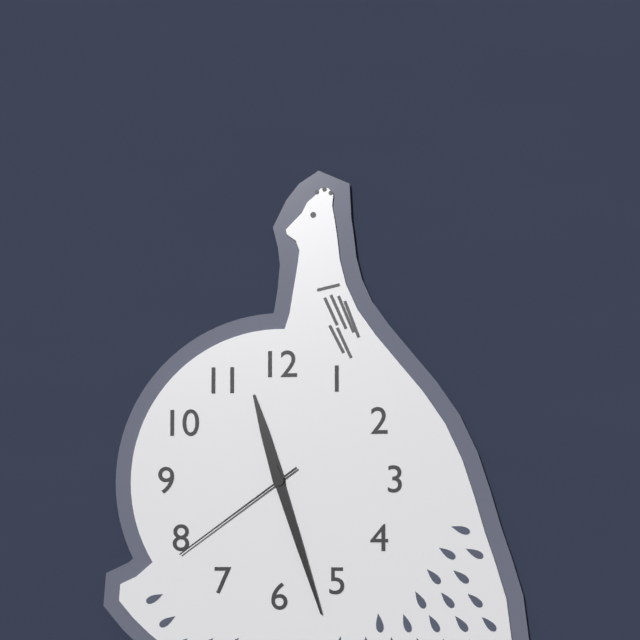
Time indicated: 11:27:39
